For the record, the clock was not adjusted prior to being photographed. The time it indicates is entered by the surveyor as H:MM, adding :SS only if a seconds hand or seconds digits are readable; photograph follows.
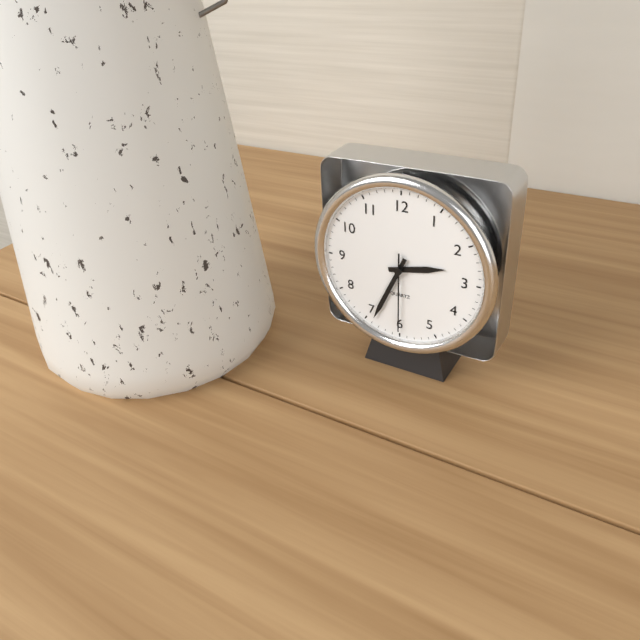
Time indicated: 2:34:30
